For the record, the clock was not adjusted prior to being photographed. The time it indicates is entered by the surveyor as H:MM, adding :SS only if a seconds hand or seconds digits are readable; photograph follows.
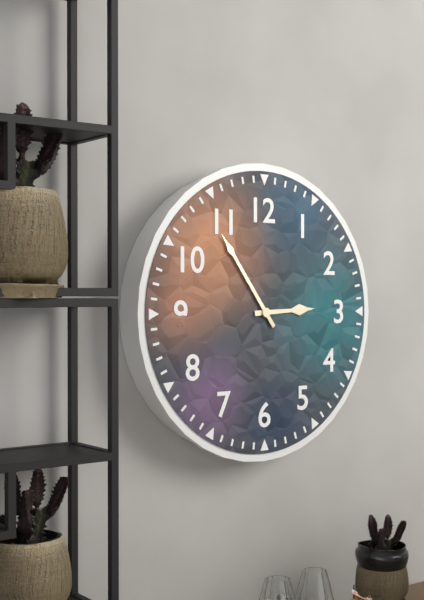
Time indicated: 2:54
